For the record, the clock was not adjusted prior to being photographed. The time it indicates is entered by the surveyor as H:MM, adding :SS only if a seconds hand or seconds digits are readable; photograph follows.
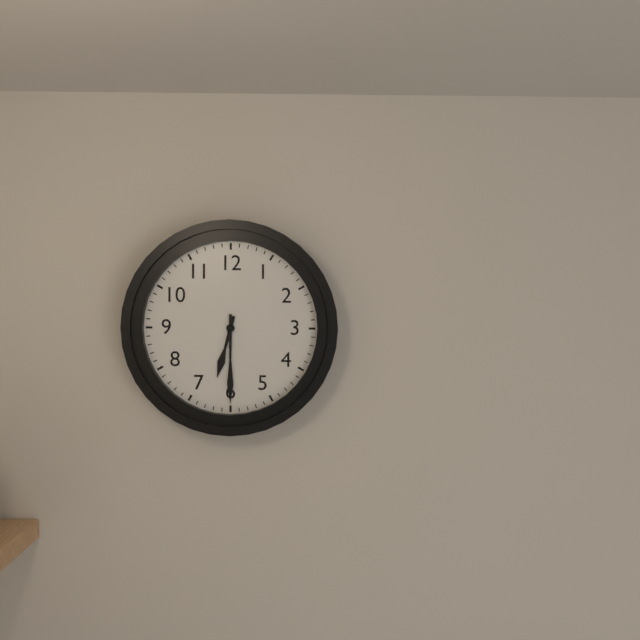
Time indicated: 6:30
